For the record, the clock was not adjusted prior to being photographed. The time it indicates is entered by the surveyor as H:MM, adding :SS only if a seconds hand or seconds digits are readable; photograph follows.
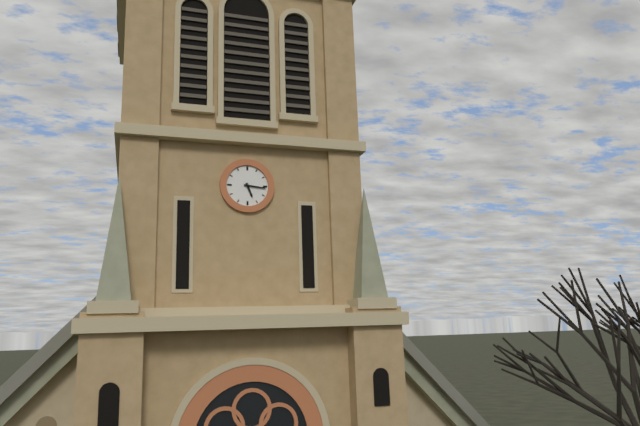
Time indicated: 5:16
